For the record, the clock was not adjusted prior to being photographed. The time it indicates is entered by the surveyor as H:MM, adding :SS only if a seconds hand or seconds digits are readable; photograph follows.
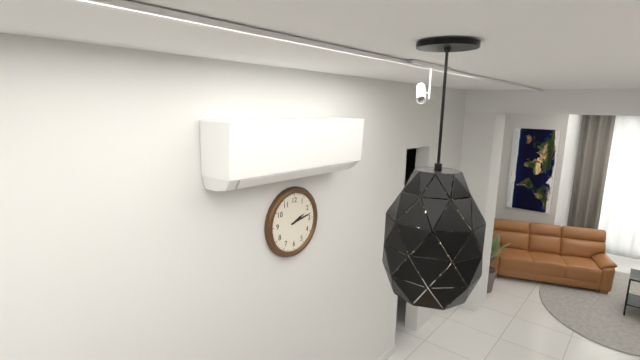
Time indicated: 2:13
